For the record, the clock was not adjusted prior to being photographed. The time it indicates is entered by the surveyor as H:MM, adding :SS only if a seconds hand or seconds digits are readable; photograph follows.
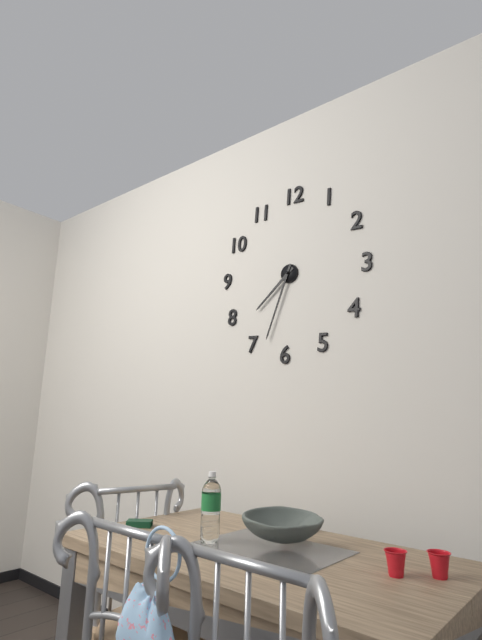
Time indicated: 7:33
